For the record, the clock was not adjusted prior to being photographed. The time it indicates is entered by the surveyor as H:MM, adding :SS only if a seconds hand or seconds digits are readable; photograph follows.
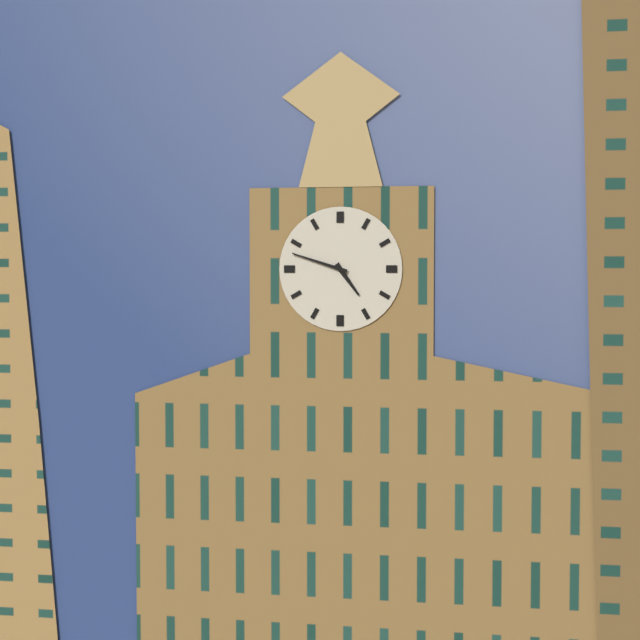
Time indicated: 4:48
